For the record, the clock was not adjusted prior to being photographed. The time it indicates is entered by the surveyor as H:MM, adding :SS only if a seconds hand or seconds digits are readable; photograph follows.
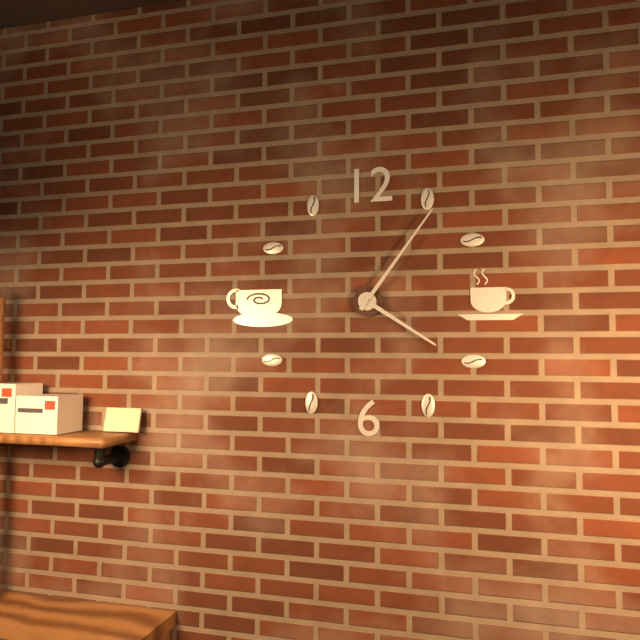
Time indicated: 4:06
